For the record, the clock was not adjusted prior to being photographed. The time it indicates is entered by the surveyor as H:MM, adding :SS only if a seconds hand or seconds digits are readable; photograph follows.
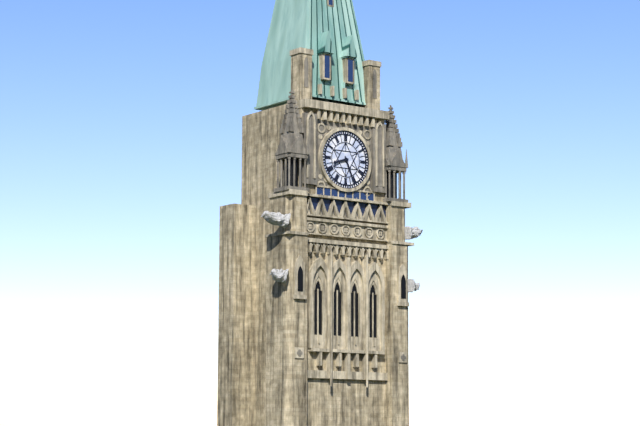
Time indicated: 8:26
